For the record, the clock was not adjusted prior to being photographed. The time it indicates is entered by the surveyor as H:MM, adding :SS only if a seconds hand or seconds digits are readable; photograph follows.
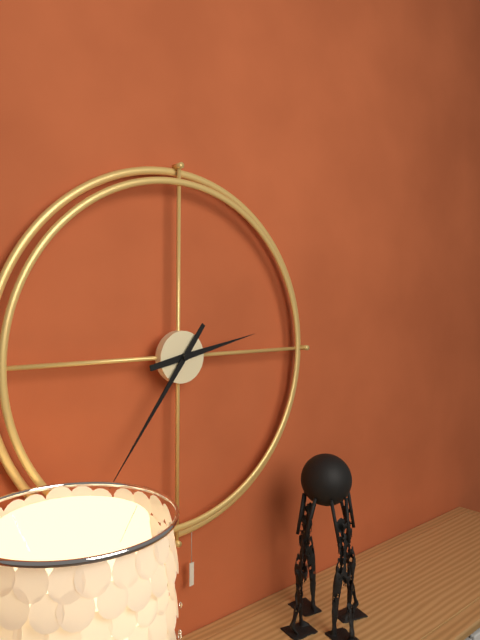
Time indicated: 2:36
